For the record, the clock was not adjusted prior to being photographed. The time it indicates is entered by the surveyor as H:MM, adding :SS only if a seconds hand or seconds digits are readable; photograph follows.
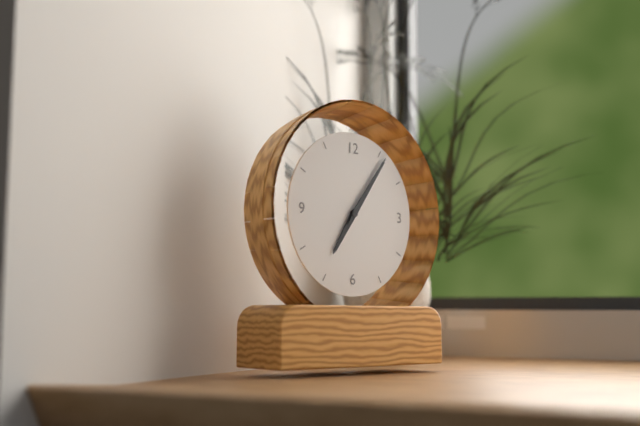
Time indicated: 7:06
